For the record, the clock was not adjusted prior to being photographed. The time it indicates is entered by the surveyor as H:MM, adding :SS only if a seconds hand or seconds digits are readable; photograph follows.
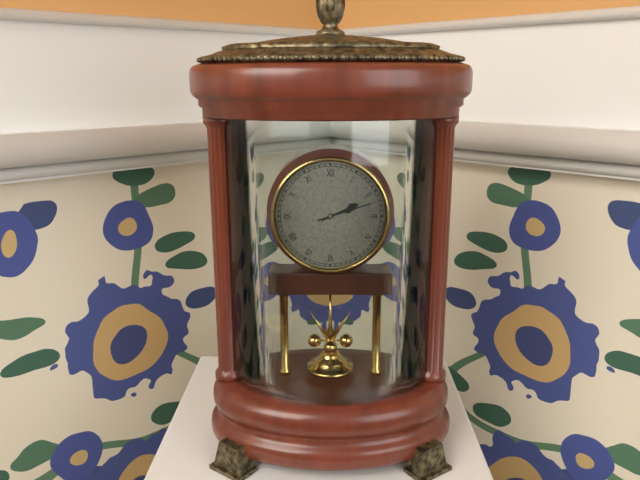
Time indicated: 2:12
